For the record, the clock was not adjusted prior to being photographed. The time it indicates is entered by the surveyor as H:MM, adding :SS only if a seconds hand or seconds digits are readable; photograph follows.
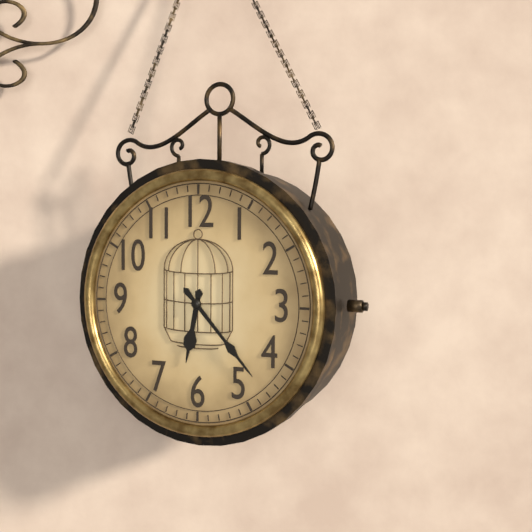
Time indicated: 6:23
